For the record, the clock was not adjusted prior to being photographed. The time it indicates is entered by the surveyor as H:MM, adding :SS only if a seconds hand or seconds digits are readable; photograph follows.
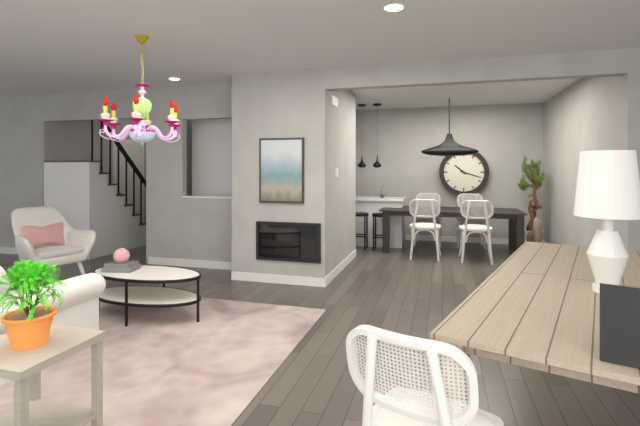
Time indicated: 10:18
